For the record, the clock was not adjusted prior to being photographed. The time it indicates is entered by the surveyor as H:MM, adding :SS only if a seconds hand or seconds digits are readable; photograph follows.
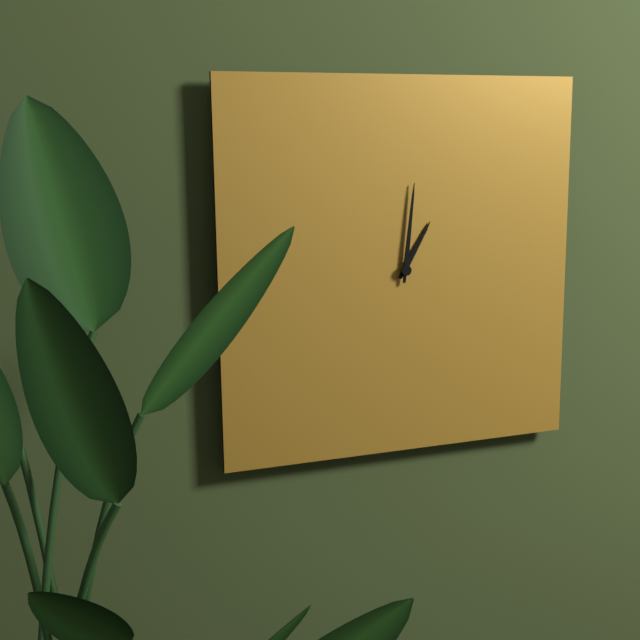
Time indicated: 1:01
